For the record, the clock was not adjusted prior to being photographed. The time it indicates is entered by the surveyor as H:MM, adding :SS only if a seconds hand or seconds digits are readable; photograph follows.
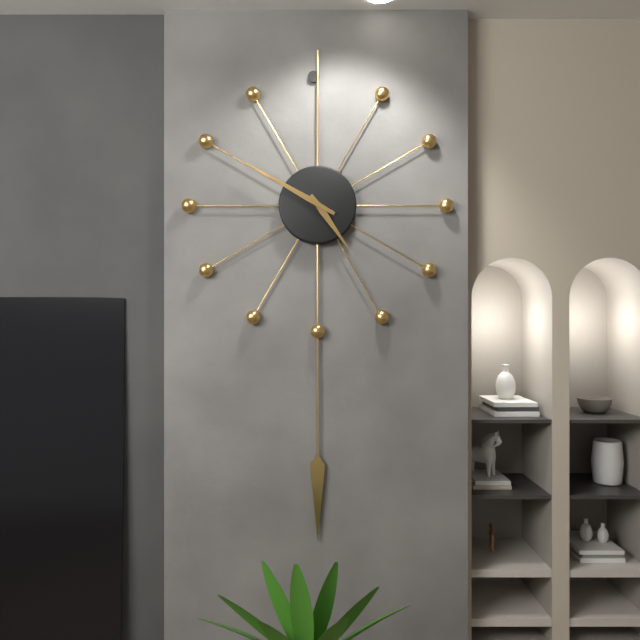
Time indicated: 4:50
